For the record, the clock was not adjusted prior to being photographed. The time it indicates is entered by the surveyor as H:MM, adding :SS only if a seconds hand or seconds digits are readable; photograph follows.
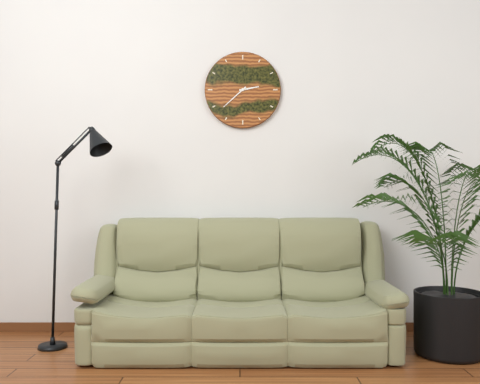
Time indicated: 2:38
